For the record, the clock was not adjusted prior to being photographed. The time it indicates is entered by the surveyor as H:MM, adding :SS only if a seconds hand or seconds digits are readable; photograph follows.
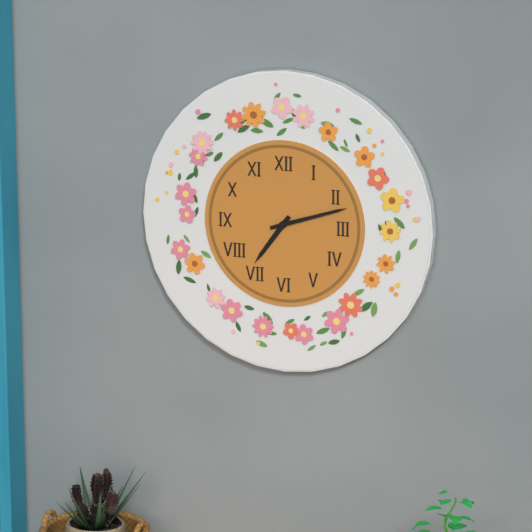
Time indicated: 7:12
